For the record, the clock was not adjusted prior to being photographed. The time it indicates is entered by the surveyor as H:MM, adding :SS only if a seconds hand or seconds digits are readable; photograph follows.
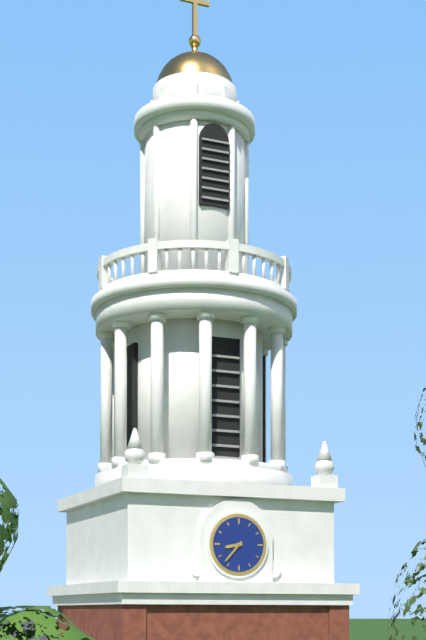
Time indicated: 8:37
